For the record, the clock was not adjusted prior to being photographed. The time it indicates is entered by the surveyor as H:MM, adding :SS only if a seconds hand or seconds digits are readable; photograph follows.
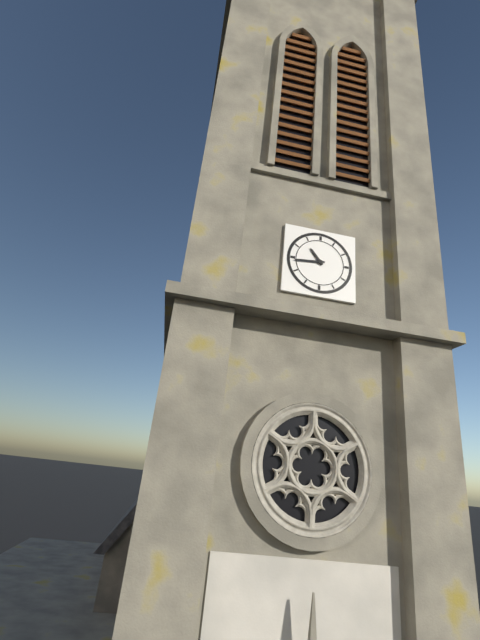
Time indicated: 10:44
